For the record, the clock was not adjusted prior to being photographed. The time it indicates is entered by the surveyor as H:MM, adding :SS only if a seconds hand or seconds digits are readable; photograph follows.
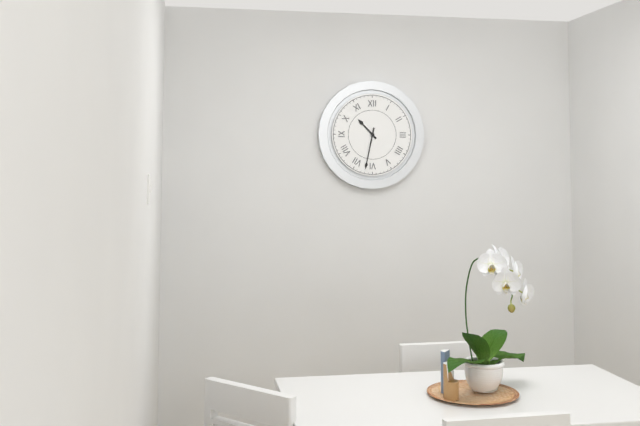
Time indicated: 10:32
